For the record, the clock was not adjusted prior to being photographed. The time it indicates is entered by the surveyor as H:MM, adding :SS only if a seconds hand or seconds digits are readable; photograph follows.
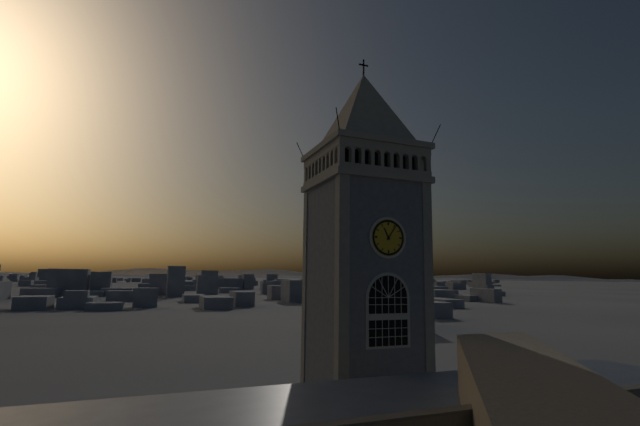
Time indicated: 11:06
